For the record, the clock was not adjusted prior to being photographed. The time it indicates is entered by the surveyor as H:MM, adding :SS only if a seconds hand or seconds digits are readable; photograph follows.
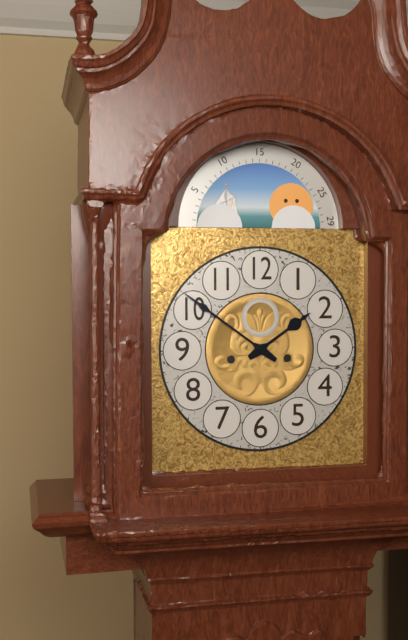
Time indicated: 1:51
